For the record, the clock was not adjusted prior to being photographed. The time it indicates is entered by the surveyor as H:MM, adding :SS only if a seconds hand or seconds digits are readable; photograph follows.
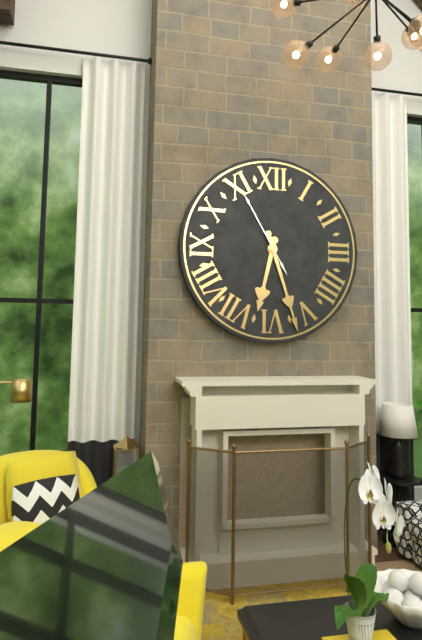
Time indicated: 6:27:55
